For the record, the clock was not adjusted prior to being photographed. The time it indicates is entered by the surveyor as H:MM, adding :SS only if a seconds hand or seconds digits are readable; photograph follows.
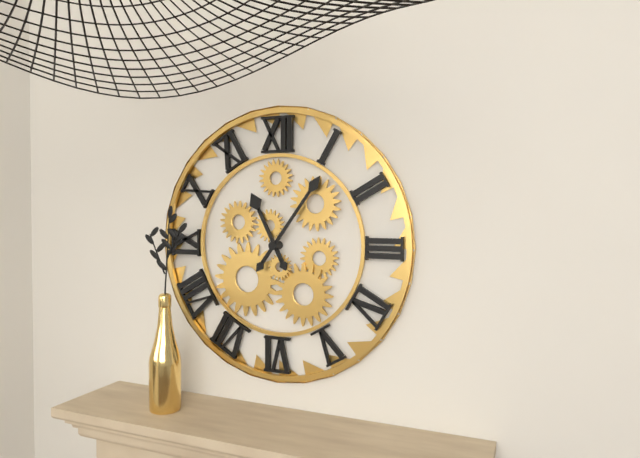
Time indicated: 11:06
